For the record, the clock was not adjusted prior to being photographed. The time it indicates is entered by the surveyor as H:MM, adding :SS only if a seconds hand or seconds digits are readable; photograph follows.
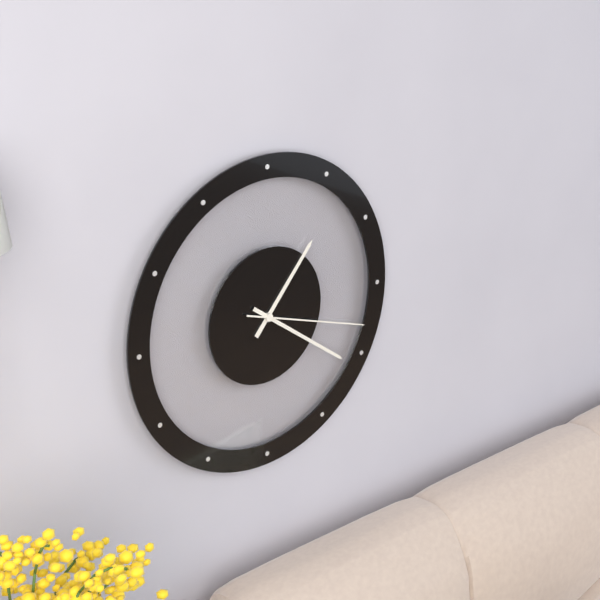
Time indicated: 1:21:18
